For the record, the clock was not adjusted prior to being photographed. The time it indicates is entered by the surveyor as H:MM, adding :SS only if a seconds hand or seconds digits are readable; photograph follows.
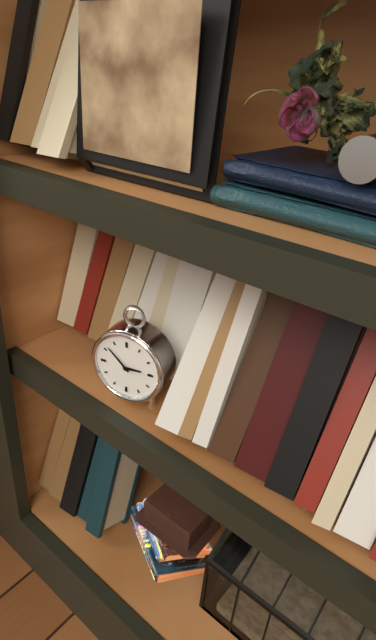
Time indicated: 2:52
